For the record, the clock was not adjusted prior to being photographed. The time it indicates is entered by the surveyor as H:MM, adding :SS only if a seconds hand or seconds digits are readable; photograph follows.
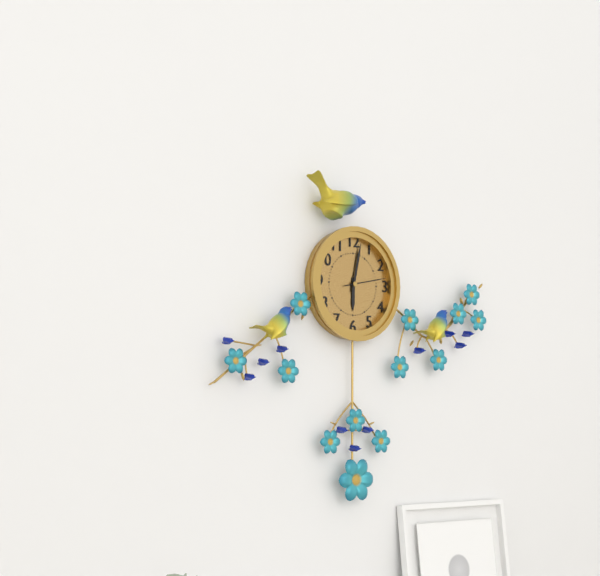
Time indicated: 6:02
